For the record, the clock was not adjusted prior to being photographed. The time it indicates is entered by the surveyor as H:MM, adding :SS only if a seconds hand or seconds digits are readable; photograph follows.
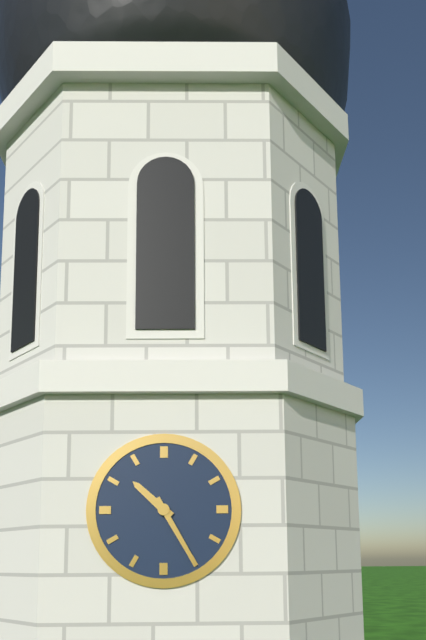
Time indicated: 10:25
